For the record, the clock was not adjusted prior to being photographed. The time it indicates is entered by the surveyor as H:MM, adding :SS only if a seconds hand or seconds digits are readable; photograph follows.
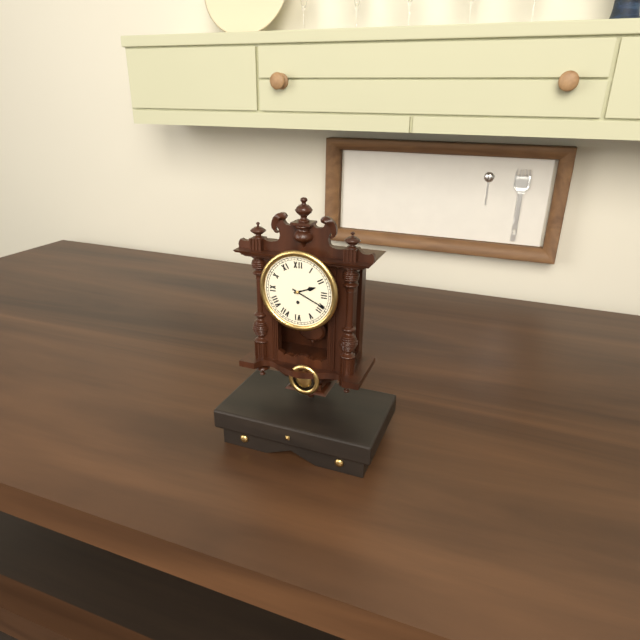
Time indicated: 2:19
